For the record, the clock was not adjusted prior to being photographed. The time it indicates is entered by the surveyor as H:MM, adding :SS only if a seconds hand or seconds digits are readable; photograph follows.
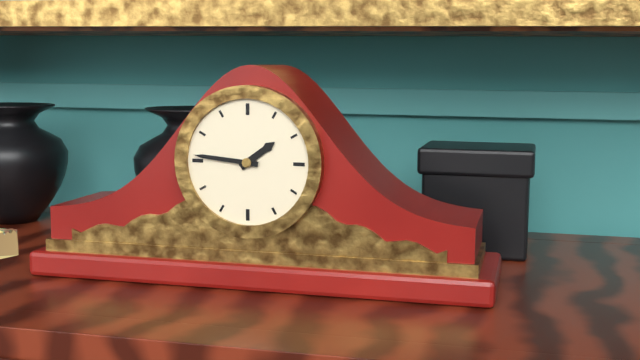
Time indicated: 1:46
